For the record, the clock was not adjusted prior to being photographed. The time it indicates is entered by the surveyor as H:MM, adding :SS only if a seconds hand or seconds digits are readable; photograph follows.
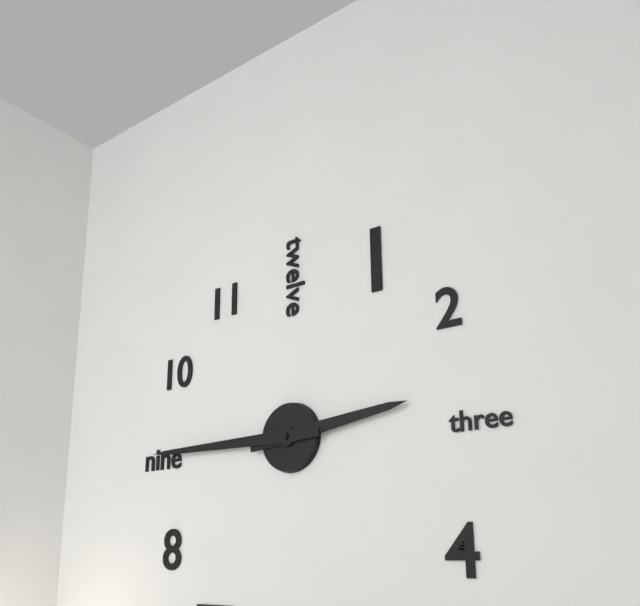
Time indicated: 2:45
